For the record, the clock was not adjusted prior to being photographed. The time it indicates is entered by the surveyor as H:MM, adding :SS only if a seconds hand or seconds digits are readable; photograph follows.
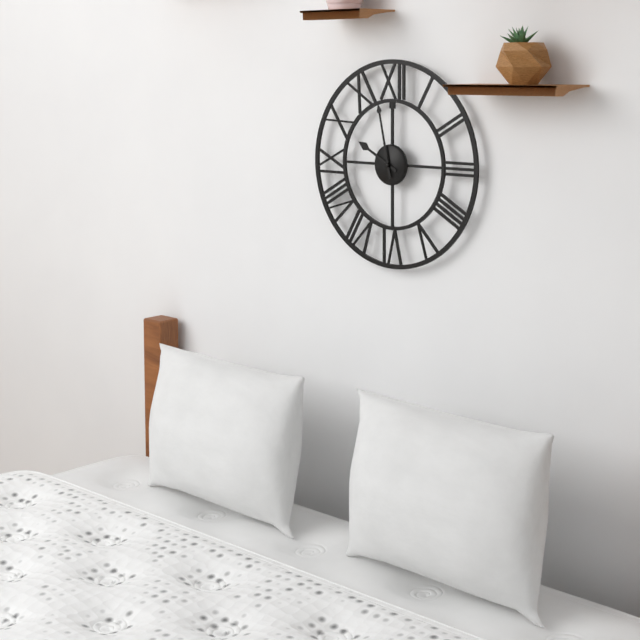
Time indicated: 9:58
